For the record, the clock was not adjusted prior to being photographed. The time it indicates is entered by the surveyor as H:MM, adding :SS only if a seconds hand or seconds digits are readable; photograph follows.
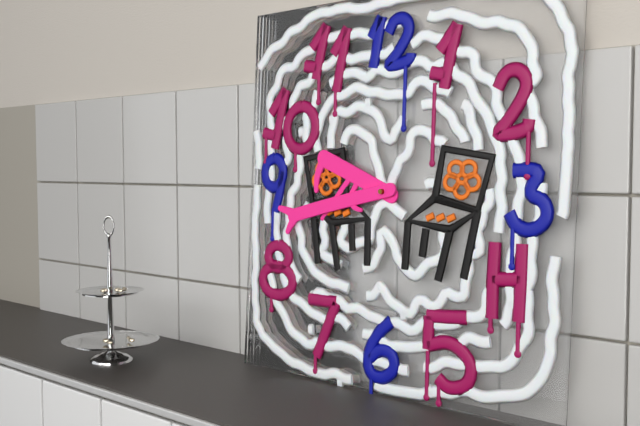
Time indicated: 9:43
